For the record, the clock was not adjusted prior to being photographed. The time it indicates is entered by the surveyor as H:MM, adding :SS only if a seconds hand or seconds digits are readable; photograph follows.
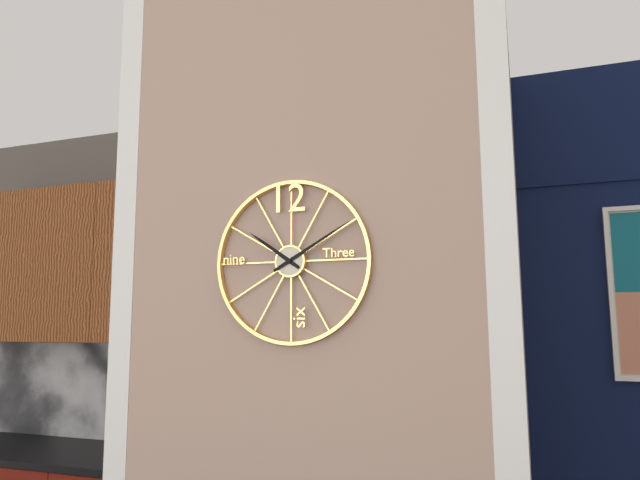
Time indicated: 10:10
